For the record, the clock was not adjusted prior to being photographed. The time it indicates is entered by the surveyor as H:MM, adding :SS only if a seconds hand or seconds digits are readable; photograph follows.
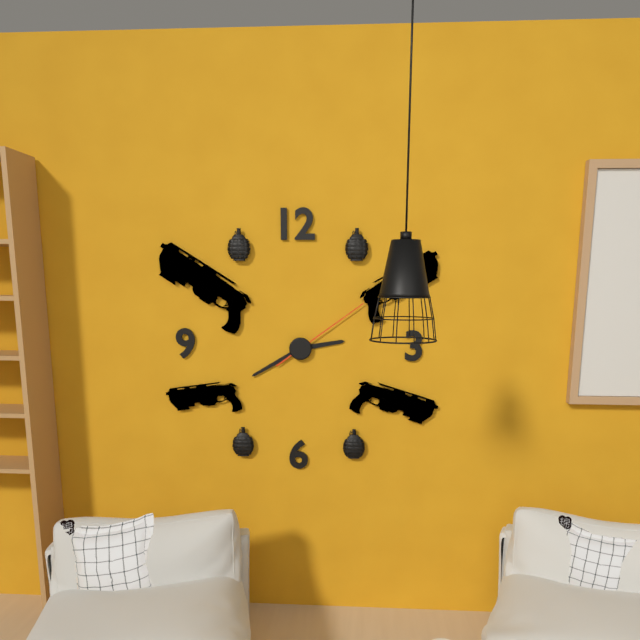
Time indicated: 2:40:09
